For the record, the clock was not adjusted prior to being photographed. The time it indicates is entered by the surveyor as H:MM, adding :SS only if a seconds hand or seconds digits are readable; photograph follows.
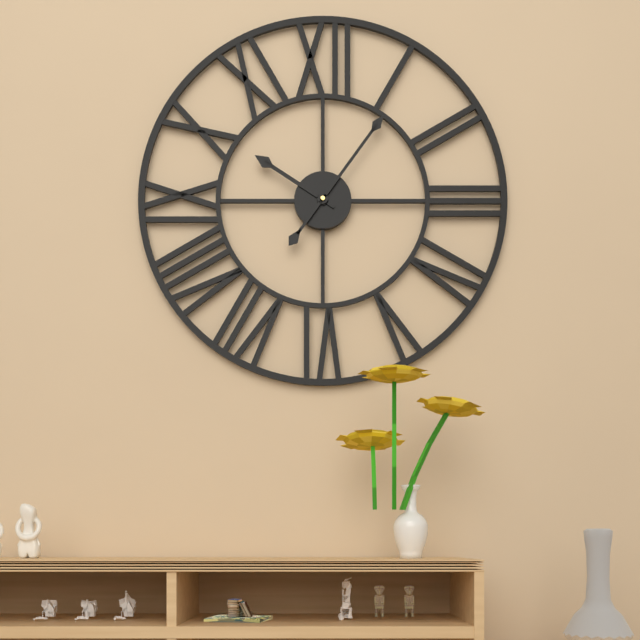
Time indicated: 10:06
